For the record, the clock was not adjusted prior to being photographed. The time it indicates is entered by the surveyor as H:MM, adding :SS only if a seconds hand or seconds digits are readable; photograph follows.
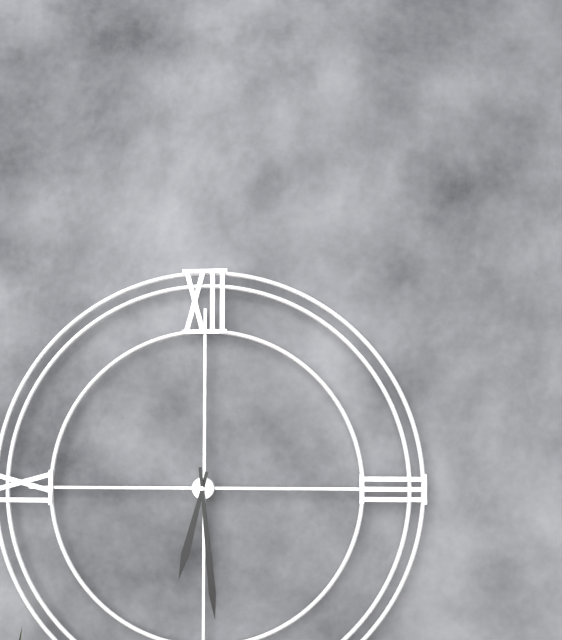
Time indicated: 6:29
